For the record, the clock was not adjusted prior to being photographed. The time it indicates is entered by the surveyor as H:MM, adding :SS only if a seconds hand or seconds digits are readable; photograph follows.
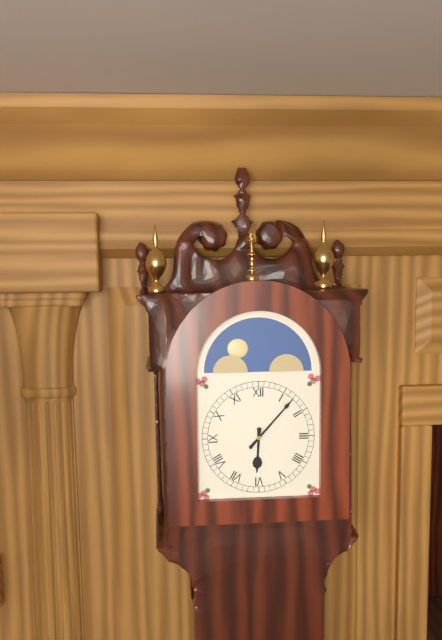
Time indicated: 6:07
